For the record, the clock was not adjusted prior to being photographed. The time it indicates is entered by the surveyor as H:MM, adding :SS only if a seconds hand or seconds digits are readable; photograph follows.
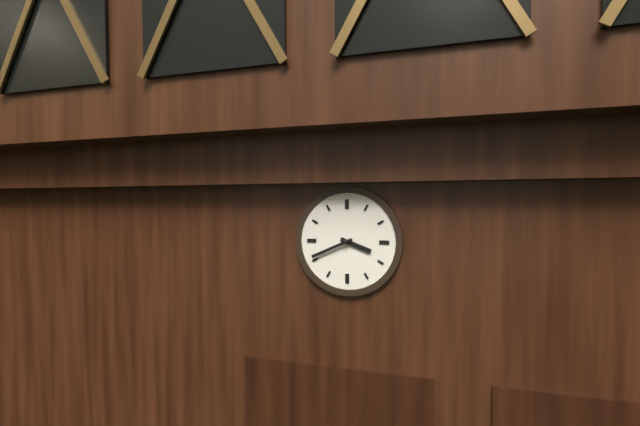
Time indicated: 3:41
